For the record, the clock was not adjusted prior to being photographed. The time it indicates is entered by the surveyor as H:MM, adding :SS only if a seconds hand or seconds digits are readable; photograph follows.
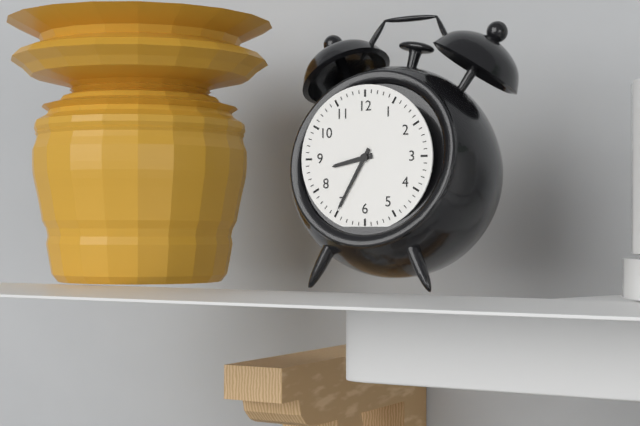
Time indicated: 8:35
